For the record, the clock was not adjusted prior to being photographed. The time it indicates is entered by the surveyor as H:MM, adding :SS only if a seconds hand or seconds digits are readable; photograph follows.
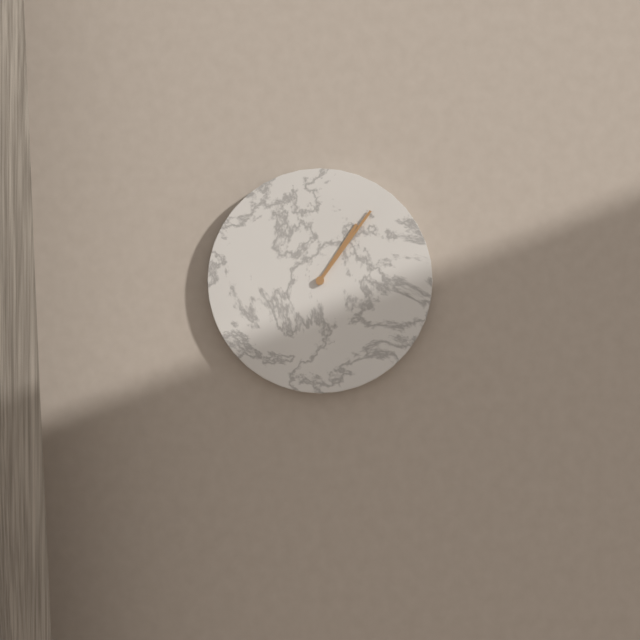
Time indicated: 1:06
